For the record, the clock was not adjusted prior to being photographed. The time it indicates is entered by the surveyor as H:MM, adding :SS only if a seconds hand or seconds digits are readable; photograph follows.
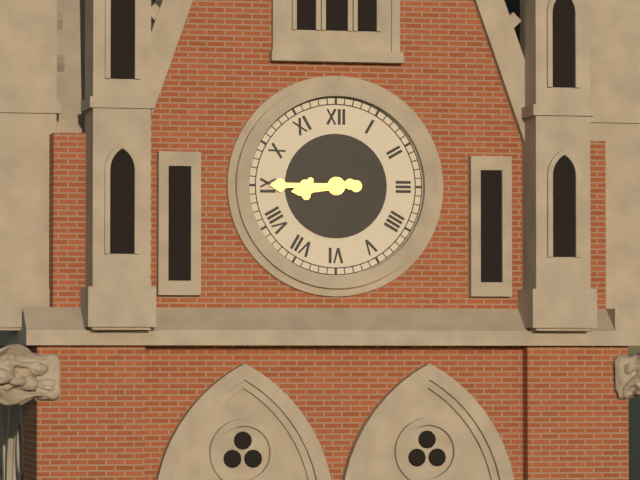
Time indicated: 8:45
